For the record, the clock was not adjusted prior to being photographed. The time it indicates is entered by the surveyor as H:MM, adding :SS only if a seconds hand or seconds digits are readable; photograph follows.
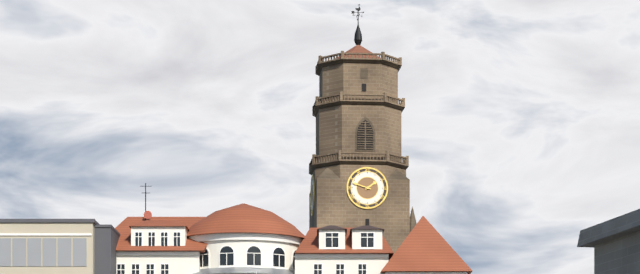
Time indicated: 1:48
